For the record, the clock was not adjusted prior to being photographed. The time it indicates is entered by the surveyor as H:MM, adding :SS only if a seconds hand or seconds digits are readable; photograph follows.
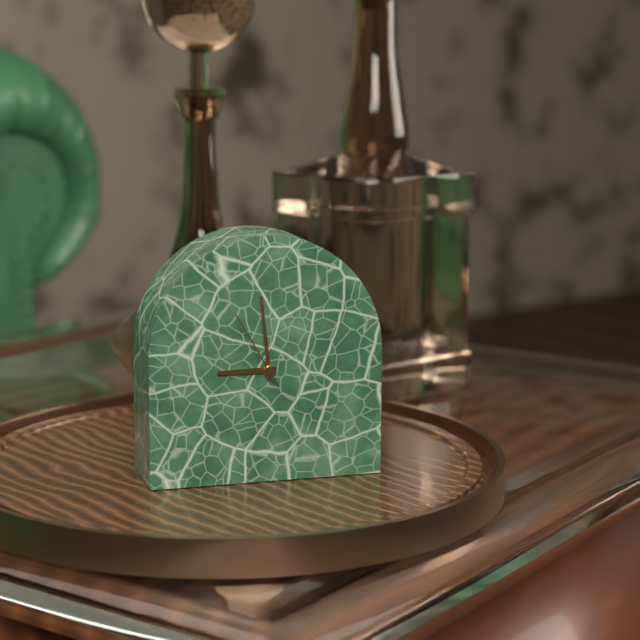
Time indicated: 8:59:55
